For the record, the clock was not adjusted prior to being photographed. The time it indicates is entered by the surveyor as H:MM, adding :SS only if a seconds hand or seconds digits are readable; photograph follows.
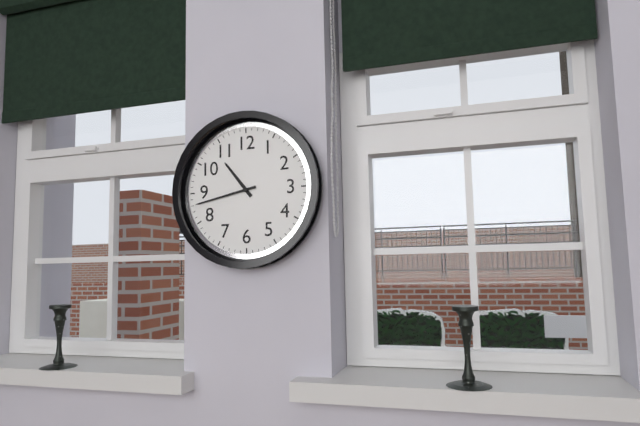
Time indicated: 10:43
